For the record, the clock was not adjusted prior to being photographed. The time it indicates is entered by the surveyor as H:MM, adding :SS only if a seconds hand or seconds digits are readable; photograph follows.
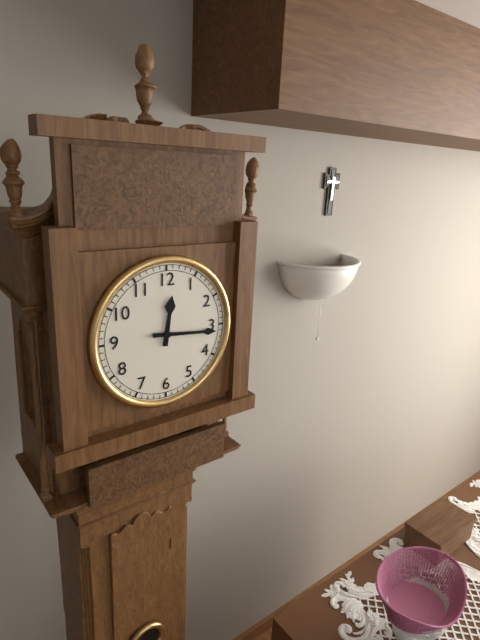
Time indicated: 12:16
